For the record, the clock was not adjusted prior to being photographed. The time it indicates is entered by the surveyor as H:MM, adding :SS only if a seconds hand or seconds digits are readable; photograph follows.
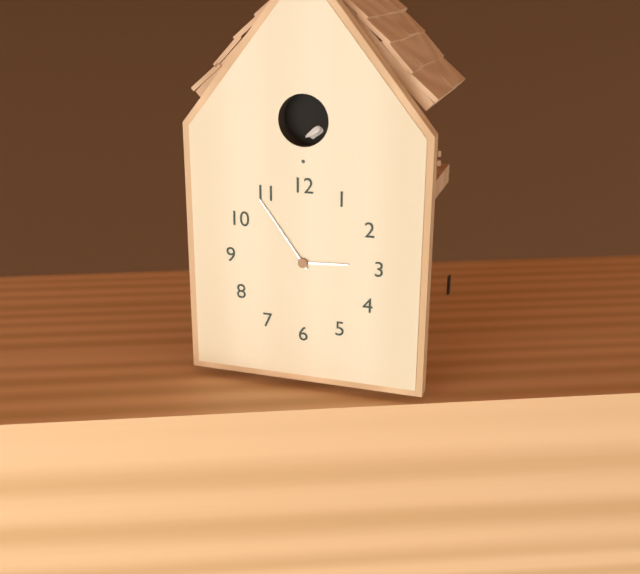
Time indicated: 2:54
